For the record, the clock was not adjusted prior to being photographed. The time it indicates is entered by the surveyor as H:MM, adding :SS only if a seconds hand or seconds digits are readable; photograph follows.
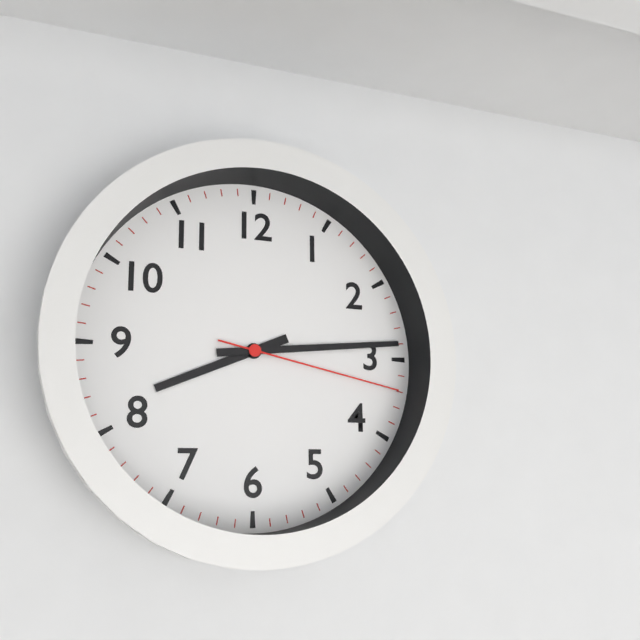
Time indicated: 8:14:17
